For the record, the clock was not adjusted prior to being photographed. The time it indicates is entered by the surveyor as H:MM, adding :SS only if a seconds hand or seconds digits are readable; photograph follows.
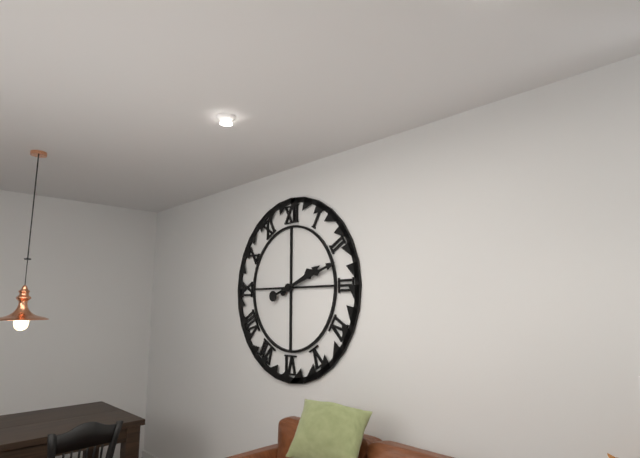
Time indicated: 2:12
